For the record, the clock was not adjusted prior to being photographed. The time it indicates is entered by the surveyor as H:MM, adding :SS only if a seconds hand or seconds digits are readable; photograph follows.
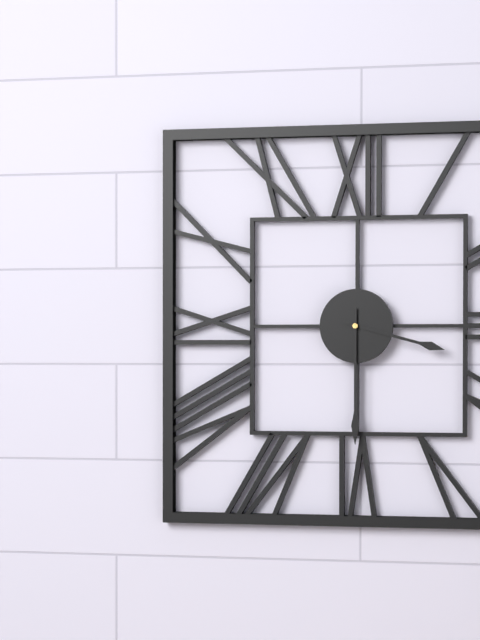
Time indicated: 3:30
